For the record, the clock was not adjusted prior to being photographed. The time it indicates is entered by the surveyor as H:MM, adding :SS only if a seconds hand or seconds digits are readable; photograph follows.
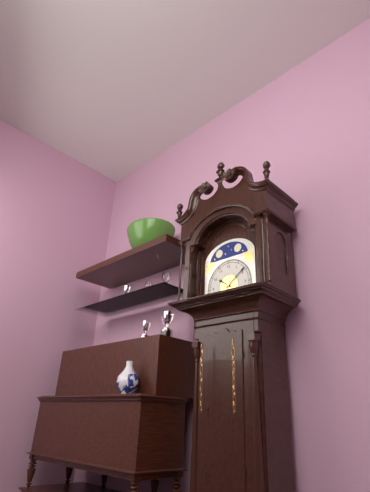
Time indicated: 10:09
